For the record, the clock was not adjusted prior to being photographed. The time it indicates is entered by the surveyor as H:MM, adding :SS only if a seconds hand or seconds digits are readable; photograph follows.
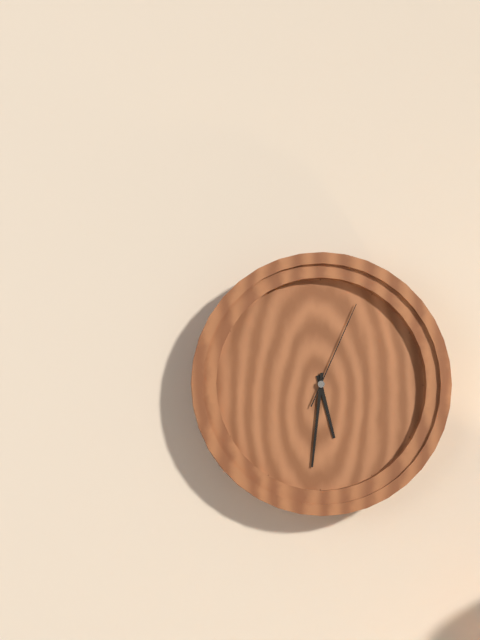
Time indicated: 5:31:04
